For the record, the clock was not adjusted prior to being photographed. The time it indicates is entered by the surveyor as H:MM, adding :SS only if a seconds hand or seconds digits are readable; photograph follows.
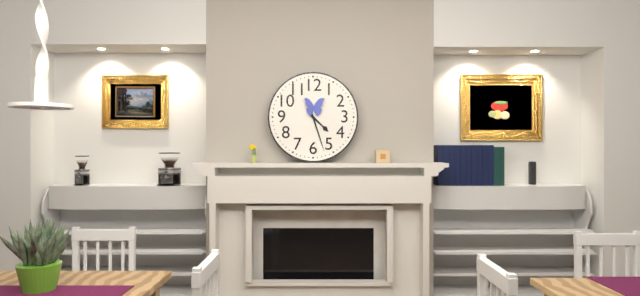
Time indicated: 4:27
